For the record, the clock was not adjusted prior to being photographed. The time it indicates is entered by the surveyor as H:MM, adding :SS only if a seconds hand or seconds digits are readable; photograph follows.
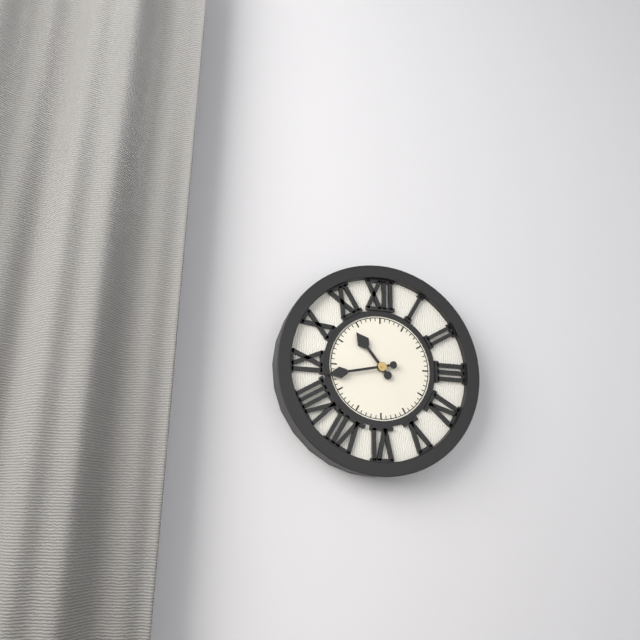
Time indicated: 10:43
